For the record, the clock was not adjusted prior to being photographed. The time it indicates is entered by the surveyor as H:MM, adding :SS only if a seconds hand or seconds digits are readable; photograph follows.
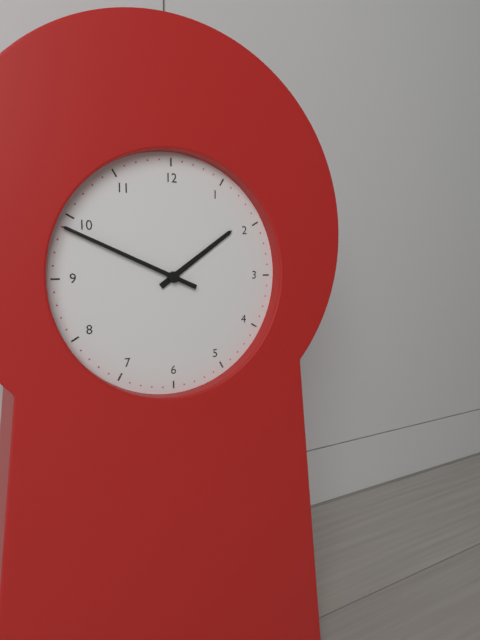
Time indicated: 1:49
